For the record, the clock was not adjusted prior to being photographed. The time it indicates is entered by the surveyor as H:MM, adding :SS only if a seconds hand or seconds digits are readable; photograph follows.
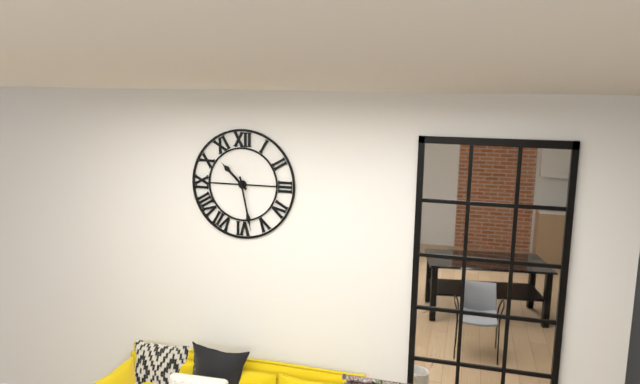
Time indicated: 10:28
